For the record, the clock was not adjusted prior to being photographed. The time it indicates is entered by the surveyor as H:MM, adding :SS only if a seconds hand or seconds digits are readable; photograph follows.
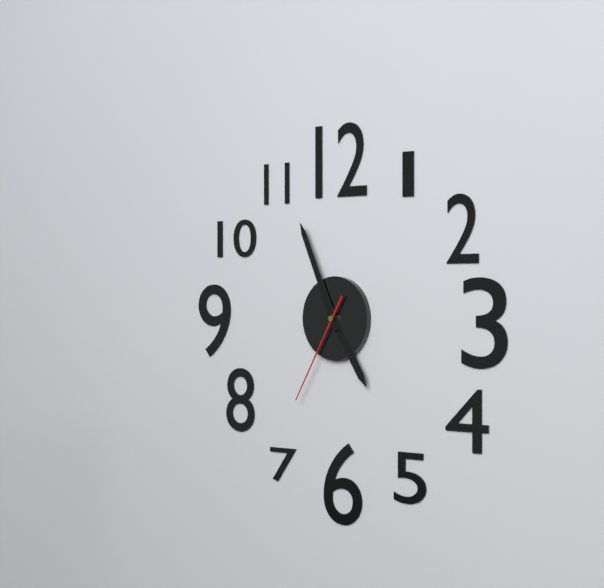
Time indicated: 4:56:35
